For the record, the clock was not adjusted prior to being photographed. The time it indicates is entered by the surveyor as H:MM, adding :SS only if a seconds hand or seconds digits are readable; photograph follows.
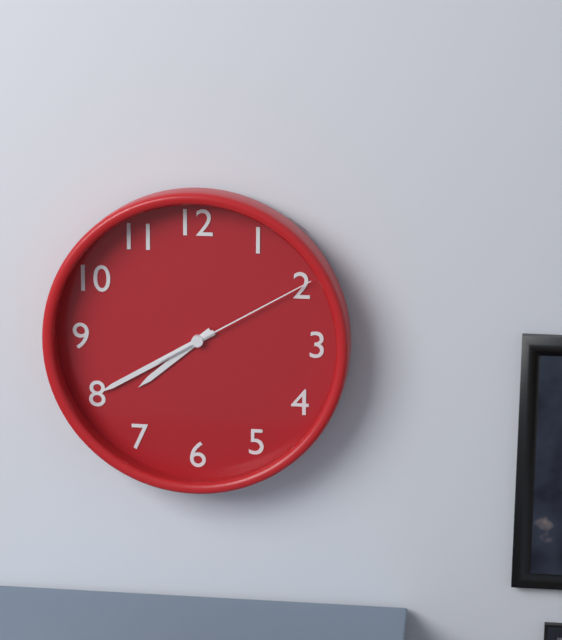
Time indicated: 7:40:10
